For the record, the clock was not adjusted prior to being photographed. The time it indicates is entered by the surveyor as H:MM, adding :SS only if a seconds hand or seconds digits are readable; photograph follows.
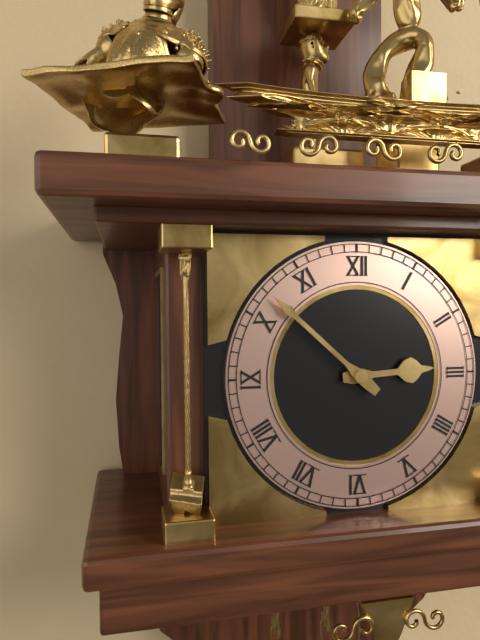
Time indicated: 2:52
